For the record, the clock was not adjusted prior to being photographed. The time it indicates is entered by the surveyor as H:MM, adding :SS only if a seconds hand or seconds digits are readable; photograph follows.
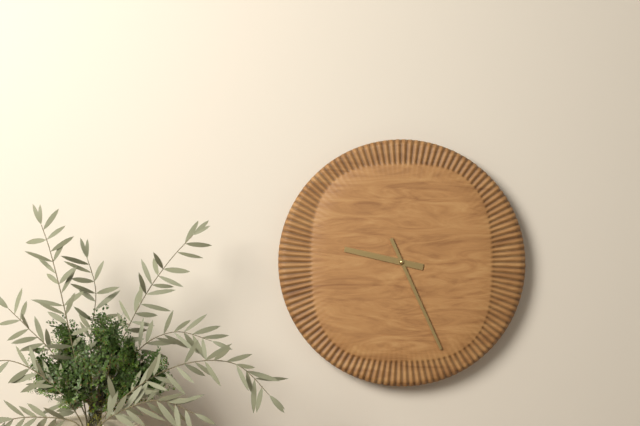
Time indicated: 9:26
